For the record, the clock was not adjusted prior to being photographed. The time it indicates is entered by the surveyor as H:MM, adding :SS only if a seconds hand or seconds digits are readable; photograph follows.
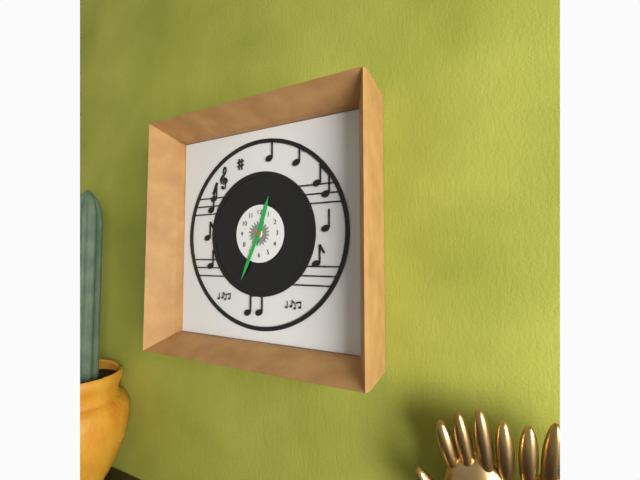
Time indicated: 12:34
